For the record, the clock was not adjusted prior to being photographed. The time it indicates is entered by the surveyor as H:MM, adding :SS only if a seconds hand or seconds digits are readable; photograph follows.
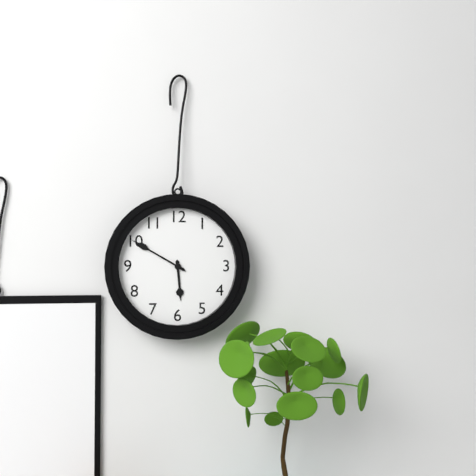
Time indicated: 5:50
